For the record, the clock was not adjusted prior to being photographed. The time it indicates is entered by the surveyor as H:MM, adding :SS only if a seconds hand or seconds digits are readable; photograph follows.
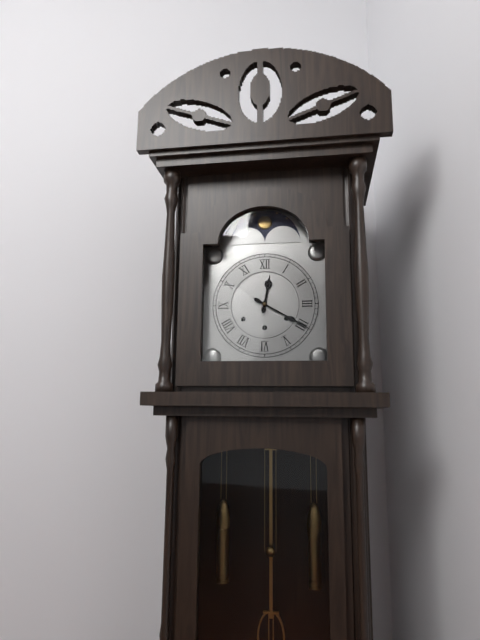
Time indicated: 12:20
